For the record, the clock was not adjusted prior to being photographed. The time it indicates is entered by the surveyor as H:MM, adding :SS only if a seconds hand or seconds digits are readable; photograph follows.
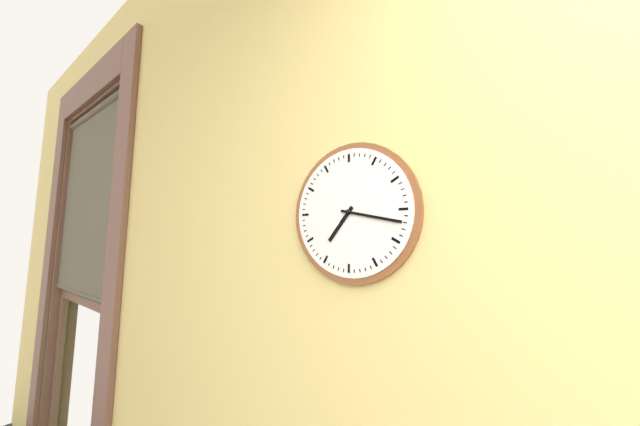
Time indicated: 7:17
